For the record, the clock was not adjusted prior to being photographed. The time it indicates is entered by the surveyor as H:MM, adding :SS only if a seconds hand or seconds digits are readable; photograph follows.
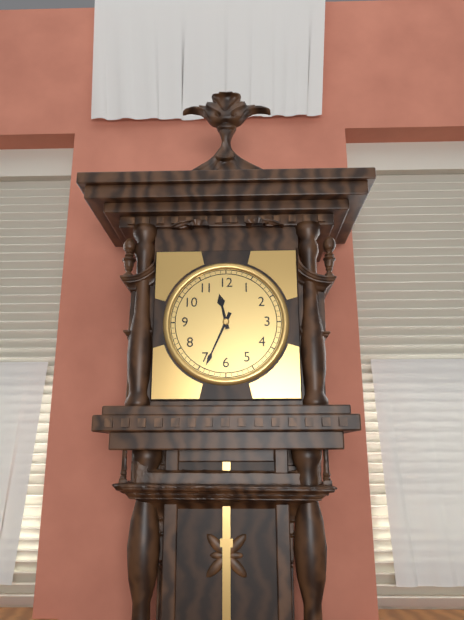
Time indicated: 11:34
